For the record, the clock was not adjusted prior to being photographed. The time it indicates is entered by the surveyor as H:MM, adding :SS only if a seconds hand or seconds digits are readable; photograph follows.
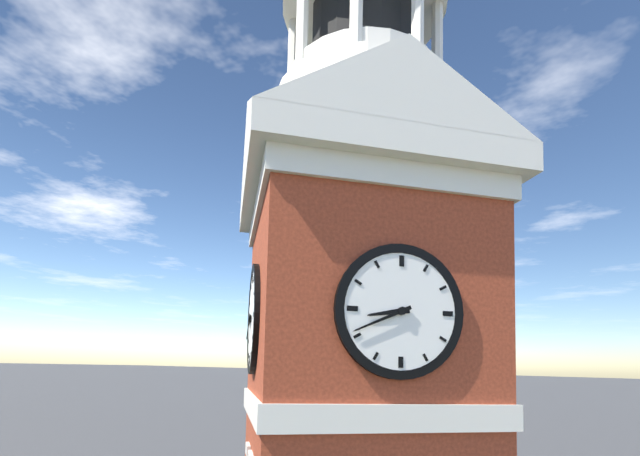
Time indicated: 8:41
